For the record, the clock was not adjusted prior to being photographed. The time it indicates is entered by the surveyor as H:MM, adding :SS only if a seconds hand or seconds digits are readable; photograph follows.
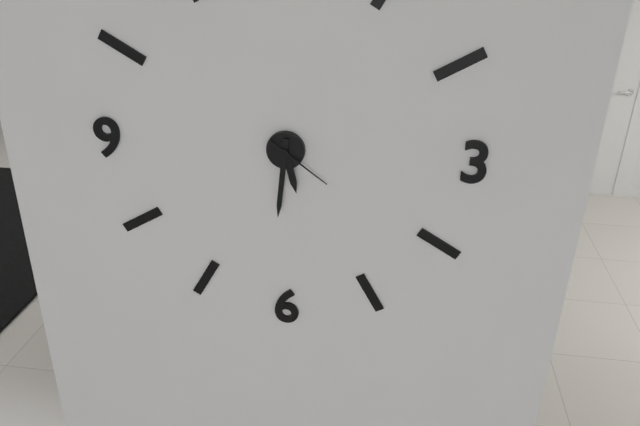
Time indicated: 5:31:21
